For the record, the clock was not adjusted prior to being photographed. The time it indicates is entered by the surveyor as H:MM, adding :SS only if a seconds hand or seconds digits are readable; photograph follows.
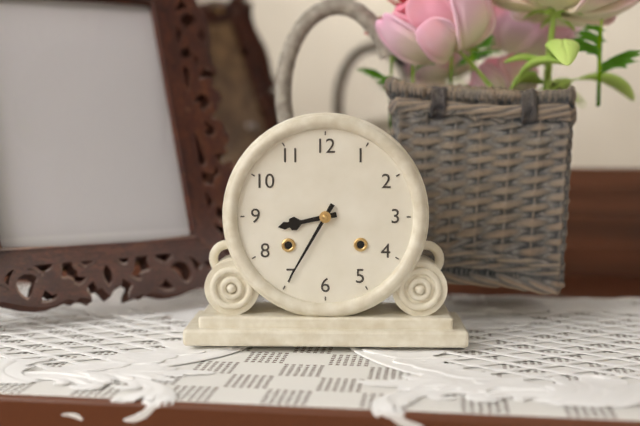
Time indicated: 8:35
